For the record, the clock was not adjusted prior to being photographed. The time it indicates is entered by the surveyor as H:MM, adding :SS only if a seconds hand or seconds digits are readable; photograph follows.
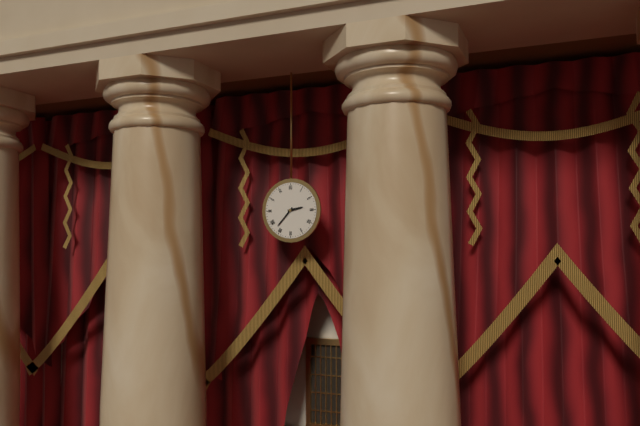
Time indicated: 2:37
